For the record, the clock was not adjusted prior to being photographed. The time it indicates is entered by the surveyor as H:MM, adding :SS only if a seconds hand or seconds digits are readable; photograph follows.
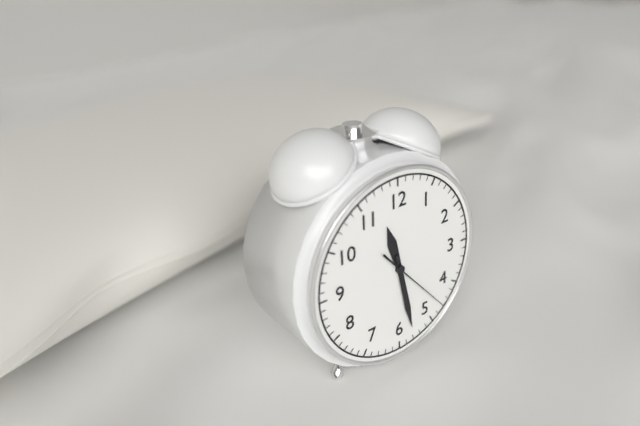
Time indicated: 11:28:23
